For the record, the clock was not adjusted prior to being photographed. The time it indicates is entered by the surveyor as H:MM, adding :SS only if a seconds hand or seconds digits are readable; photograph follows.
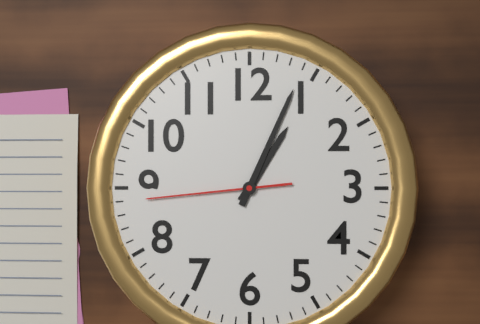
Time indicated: 1:04:44
